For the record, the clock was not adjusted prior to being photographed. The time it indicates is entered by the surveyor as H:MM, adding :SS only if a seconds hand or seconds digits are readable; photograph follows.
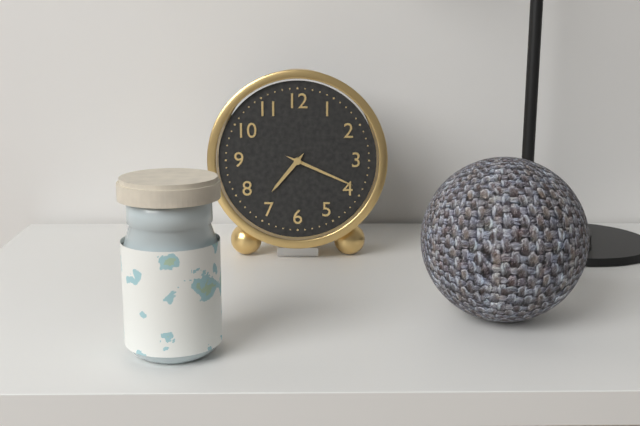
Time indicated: 7:19
